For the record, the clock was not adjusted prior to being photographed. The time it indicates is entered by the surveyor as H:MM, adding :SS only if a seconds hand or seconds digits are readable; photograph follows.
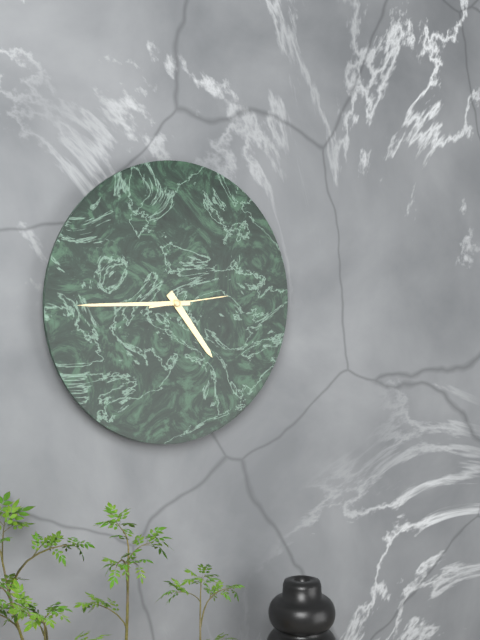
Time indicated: 4:45:14
